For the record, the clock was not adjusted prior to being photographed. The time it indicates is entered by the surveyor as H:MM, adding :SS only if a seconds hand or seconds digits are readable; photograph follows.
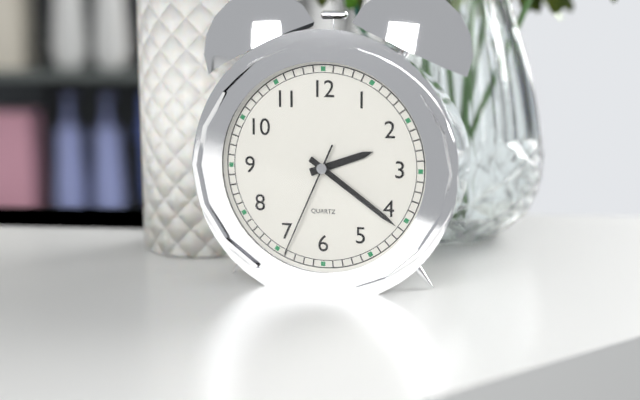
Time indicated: 2:21:34
